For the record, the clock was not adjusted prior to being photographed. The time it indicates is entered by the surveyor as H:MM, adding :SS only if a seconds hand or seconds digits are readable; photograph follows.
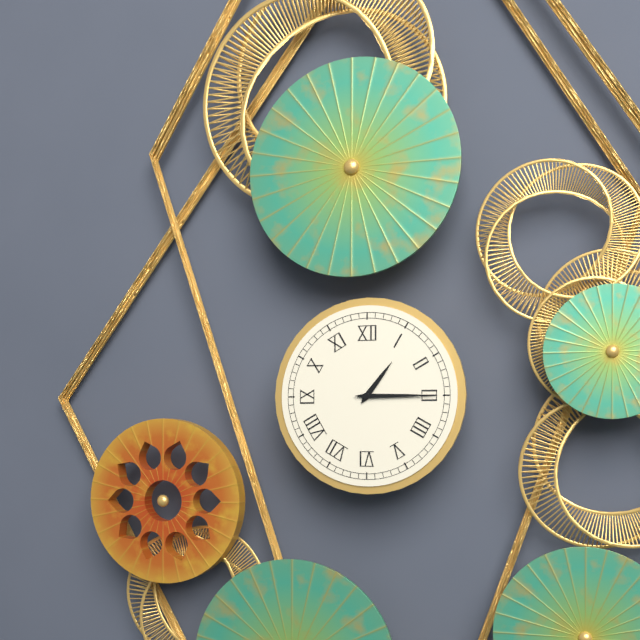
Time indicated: 1:15
